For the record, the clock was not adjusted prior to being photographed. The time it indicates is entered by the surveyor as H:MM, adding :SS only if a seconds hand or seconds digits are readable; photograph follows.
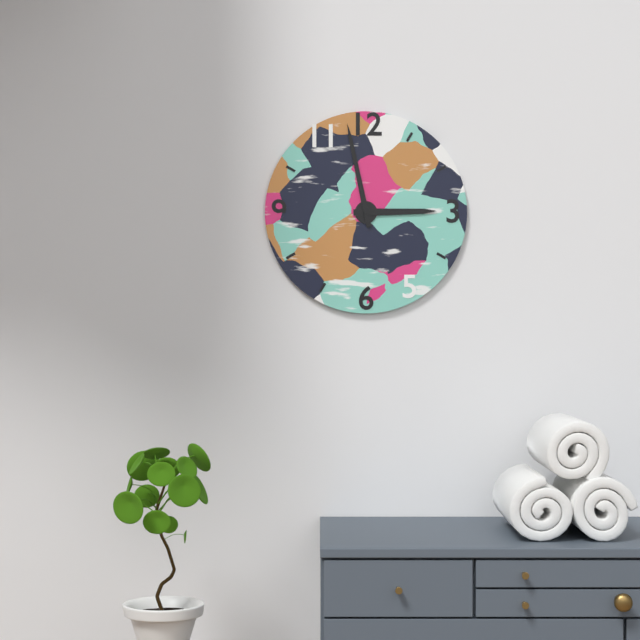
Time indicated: 2:58
